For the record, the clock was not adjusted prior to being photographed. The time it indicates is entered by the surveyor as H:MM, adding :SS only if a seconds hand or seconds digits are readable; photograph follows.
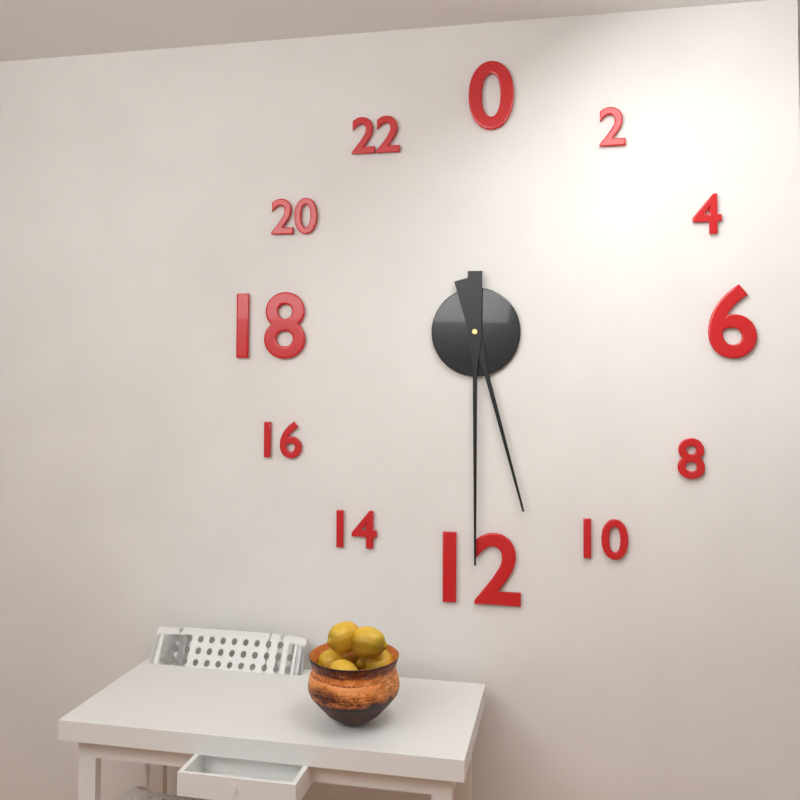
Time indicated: 5:30
